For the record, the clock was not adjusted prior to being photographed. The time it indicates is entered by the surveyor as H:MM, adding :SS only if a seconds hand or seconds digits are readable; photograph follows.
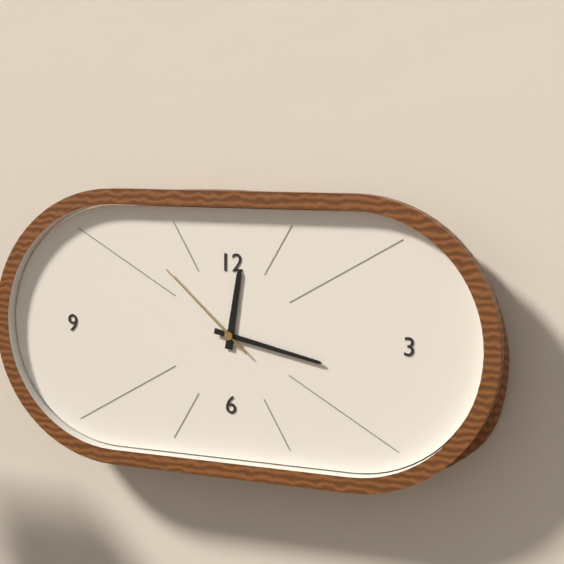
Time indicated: 12:17:52
